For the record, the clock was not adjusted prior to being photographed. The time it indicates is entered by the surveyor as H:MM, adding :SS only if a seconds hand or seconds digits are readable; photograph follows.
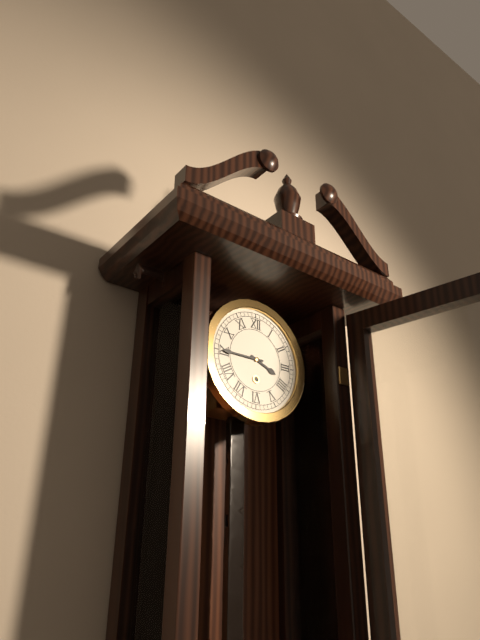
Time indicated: 3:45
